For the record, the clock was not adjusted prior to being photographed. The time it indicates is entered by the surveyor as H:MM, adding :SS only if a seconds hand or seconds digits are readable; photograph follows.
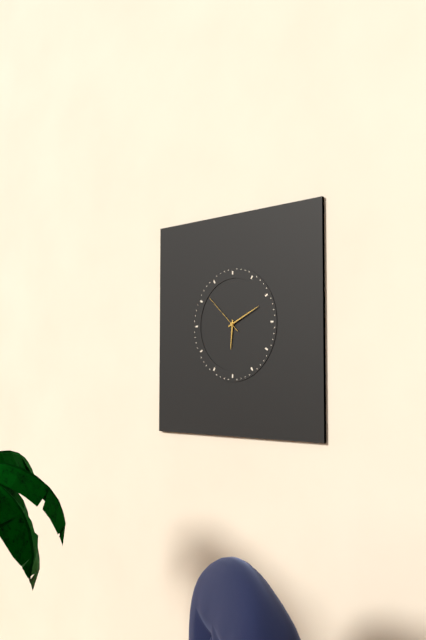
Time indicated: 6:11
